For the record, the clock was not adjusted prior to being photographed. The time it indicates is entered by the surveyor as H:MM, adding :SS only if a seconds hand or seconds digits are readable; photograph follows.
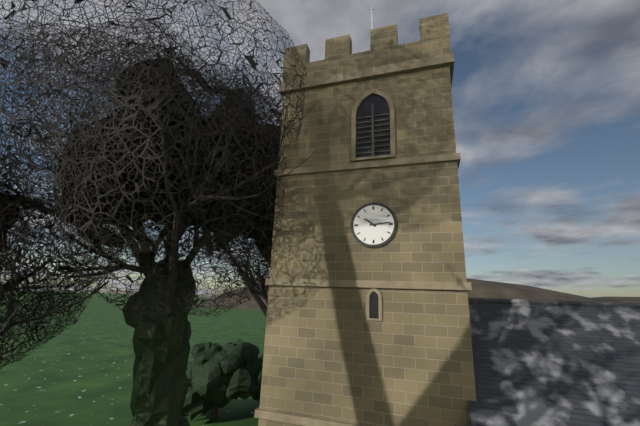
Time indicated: 10:14
